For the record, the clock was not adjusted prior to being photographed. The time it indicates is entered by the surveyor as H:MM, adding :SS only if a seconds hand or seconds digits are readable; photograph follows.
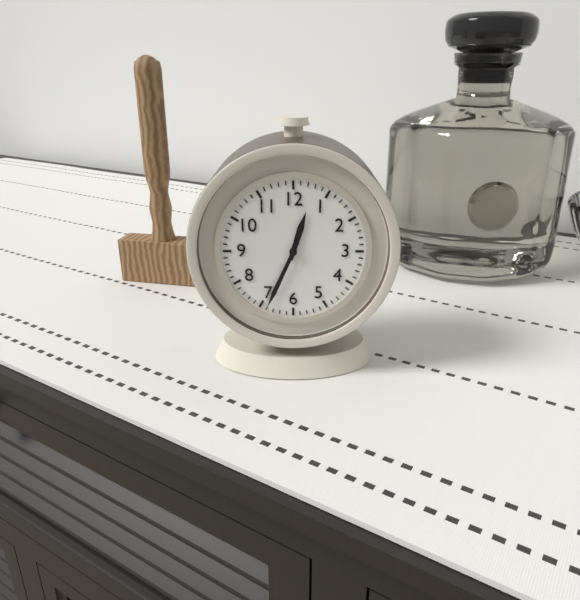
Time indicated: 12:34
